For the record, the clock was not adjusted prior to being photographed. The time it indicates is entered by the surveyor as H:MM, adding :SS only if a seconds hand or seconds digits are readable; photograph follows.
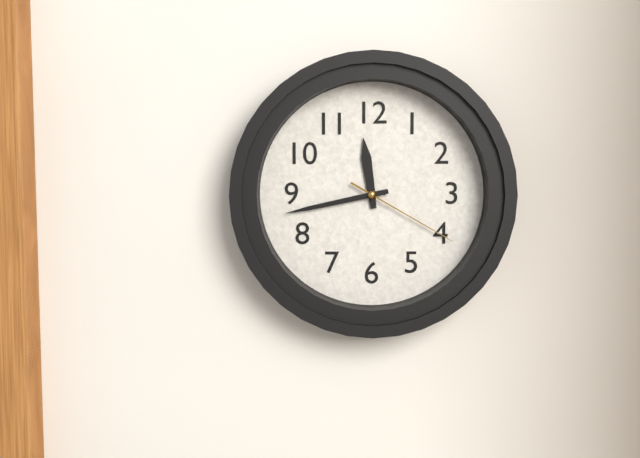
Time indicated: 11:43:20
